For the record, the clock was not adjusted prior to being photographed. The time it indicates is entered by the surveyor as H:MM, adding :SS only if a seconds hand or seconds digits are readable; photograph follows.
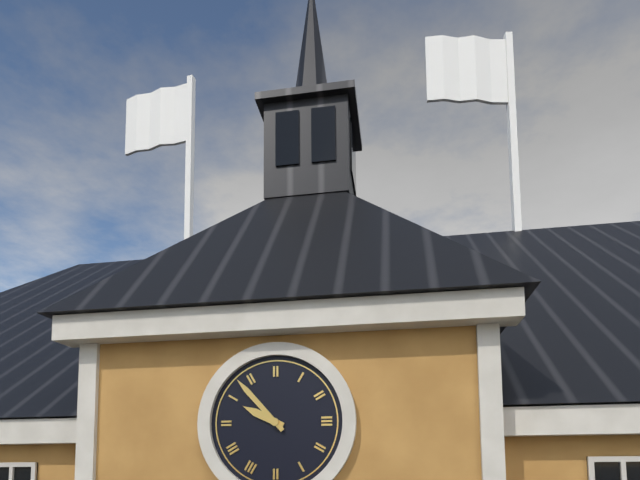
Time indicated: 9:53
